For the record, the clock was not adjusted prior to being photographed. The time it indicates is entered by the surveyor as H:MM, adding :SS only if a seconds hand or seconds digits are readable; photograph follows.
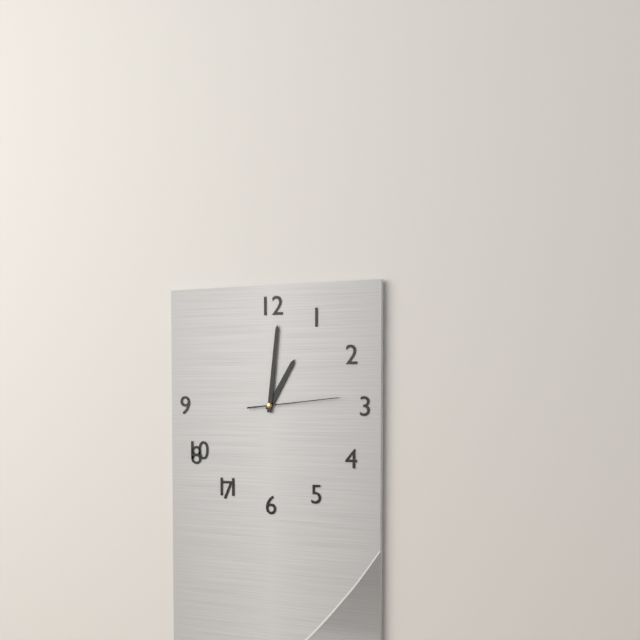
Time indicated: 1:01:14
